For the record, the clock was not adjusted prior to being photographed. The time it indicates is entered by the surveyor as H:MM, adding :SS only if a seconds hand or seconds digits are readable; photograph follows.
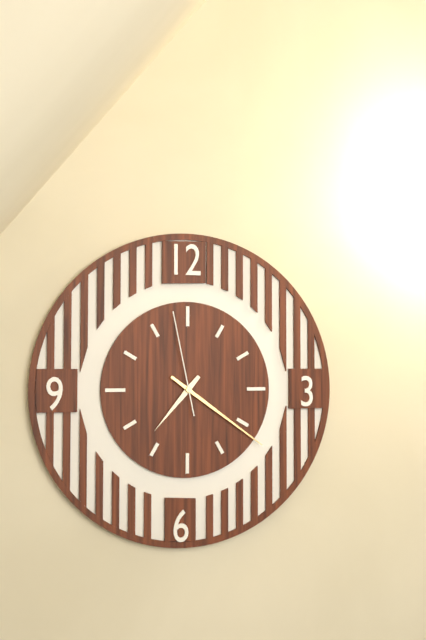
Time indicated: 7:21:58
